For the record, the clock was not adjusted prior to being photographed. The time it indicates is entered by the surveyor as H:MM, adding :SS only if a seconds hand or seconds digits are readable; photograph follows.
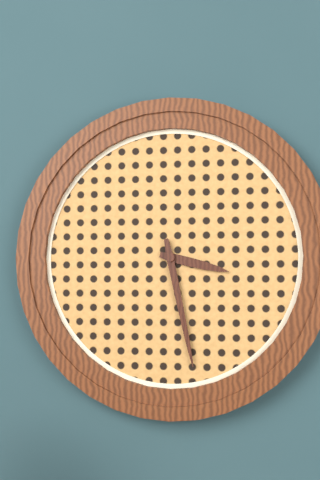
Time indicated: 3:28
